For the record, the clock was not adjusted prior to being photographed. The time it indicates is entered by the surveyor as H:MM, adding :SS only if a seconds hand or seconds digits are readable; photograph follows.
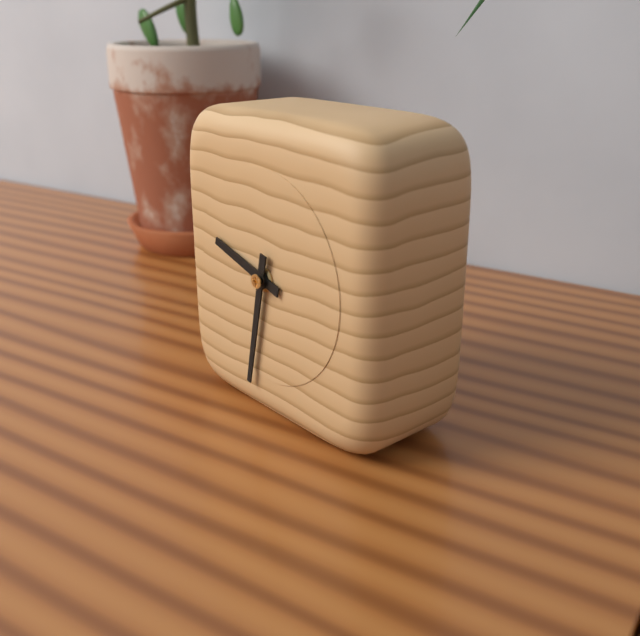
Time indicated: 9:32
